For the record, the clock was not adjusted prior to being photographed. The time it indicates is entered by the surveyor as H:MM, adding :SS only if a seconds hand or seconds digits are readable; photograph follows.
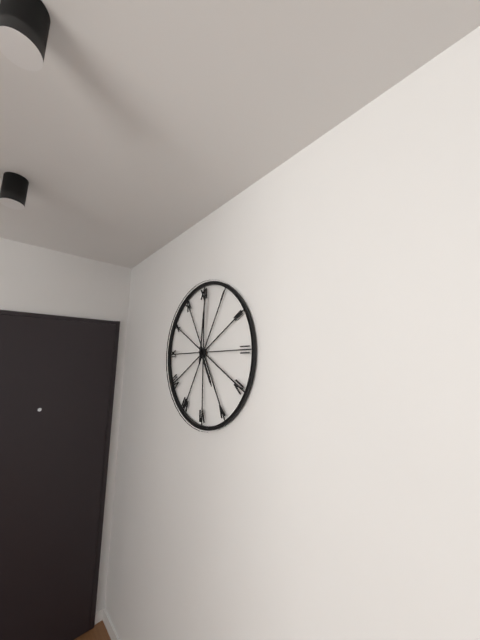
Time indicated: 5:01
